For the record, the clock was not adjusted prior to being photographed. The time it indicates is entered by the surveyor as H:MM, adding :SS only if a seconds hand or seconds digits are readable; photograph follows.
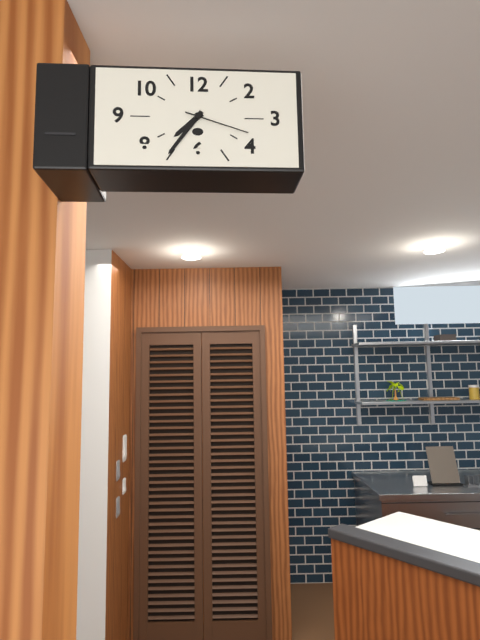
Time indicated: 7:36:18
